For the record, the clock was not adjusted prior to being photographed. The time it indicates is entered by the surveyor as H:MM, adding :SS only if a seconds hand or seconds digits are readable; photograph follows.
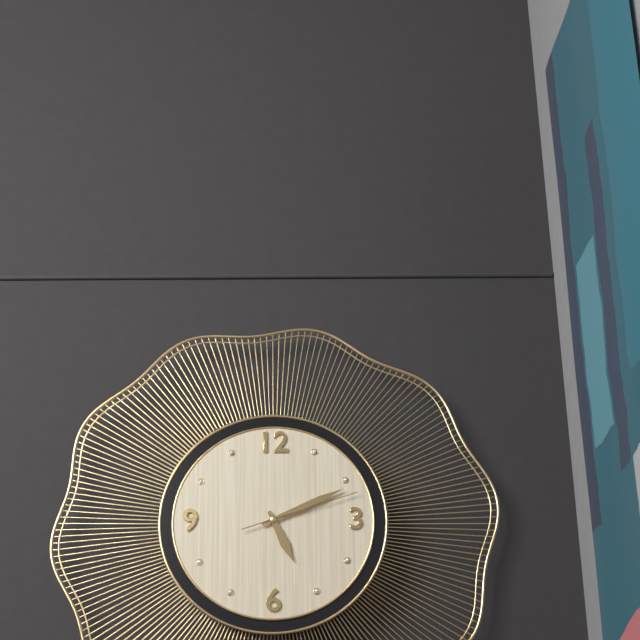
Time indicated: 5:11:12
